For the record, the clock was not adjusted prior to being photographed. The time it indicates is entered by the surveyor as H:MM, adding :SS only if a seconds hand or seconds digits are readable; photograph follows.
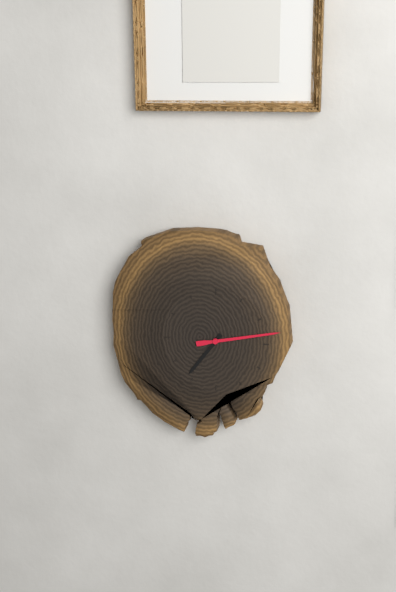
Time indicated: 7:13
